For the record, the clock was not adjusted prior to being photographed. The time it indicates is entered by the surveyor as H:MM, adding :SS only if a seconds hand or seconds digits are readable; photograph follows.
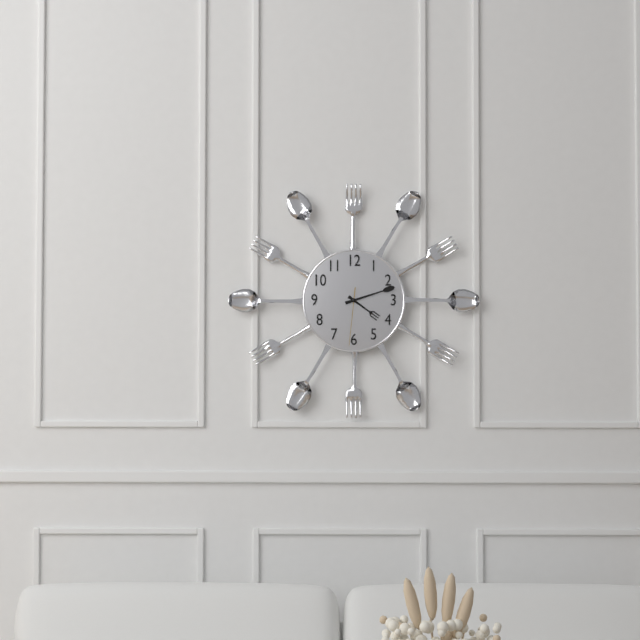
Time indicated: 4:12:31
